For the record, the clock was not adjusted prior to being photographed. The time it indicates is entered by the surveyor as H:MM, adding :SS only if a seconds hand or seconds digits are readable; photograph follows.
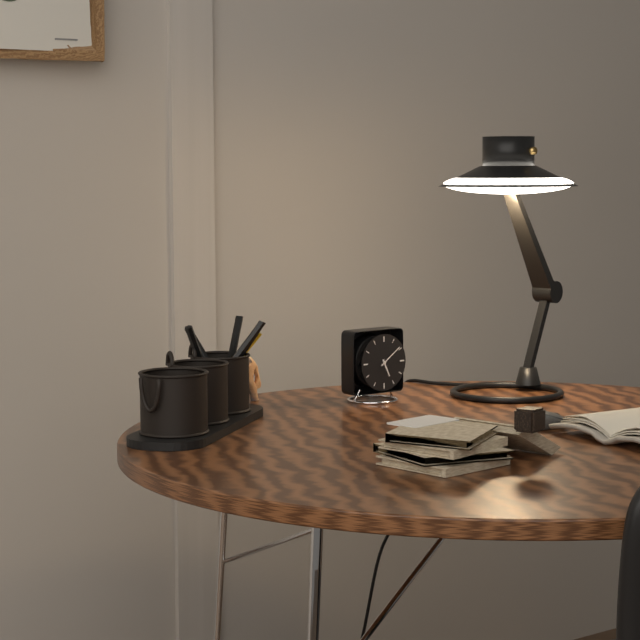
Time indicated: 5:09
